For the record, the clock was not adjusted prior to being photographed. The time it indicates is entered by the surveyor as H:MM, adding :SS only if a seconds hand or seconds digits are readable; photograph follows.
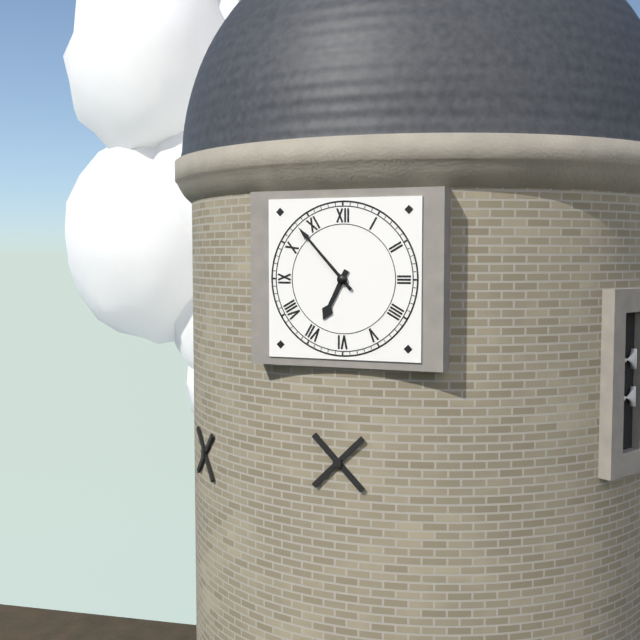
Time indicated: 6:53
